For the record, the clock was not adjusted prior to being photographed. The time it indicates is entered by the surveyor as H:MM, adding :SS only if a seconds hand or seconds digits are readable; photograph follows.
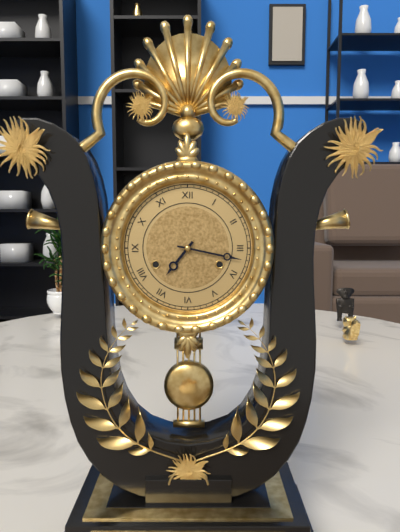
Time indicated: 7:17
